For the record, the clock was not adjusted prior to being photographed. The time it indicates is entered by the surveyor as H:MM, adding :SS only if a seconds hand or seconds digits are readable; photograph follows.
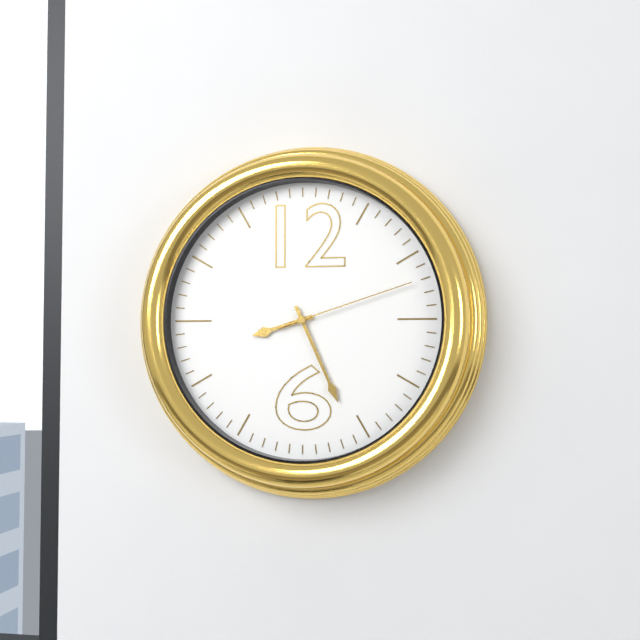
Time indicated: 8:26:12
